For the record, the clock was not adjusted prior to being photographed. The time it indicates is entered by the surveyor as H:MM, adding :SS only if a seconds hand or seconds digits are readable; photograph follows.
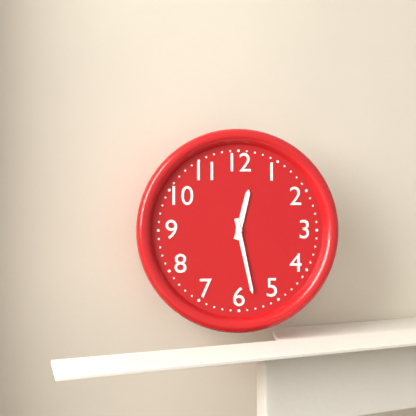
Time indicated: 12:28
